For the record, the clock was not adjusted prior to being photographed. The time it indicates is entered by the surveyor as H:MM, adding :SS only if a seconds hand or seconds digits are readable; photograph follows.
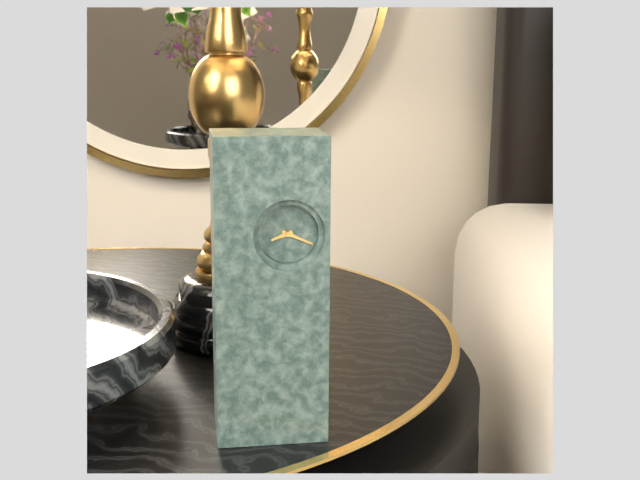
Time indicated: 8:19
